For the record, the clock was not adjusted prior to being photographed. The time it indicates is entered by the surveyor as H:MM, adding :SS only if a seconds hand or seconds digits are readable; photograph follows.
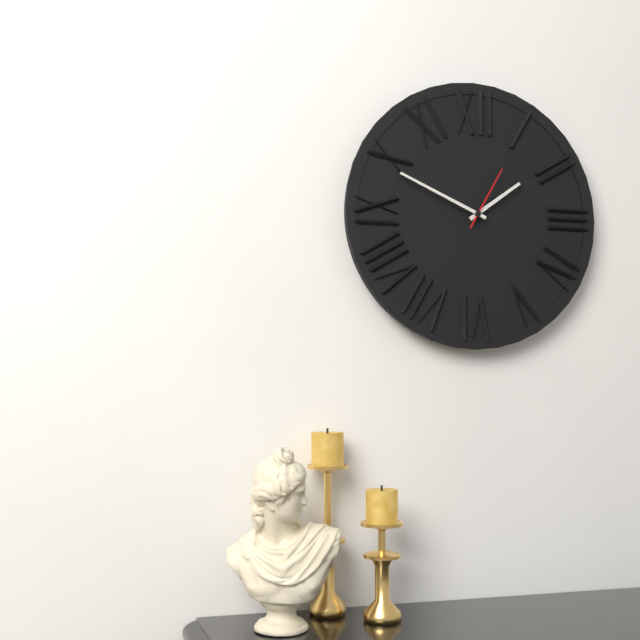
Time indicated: 1:49:05
